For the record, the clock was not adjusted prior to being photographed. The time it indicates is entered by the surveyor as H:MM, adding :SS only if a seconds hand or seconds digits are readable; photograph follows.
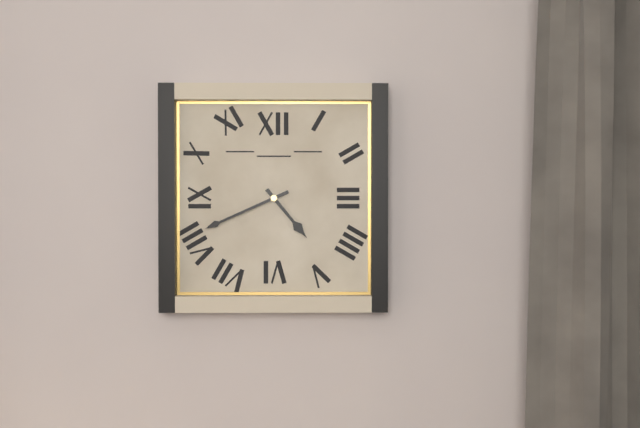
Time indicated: 4:41
